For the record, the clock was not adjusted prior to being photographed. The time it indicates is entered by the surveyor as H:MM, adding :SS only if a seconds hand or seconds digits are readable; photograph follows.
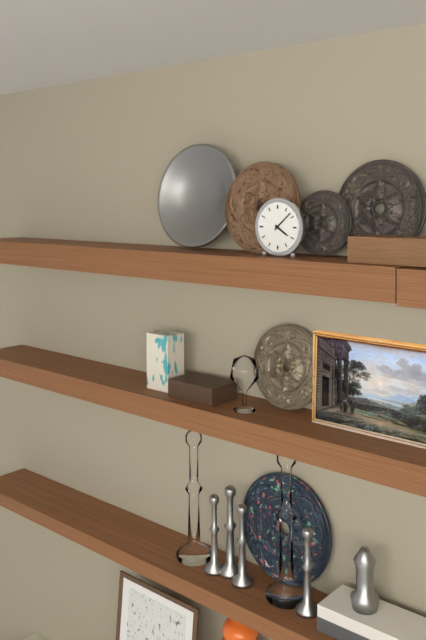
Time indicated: 4:08
